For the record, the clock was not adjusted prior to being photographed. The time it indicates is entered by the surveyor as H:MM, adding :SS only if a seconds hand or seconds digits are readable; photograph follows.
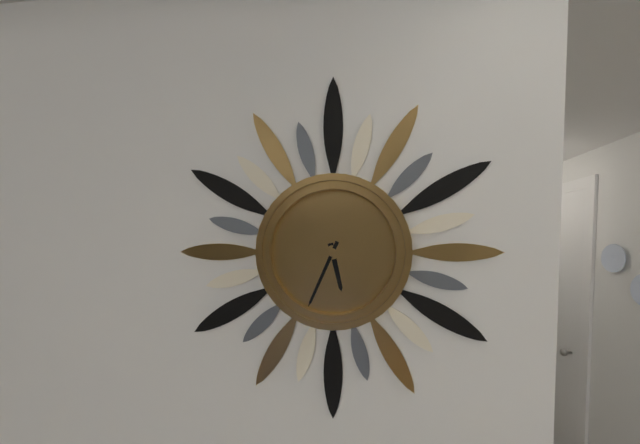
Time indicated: 5:34
